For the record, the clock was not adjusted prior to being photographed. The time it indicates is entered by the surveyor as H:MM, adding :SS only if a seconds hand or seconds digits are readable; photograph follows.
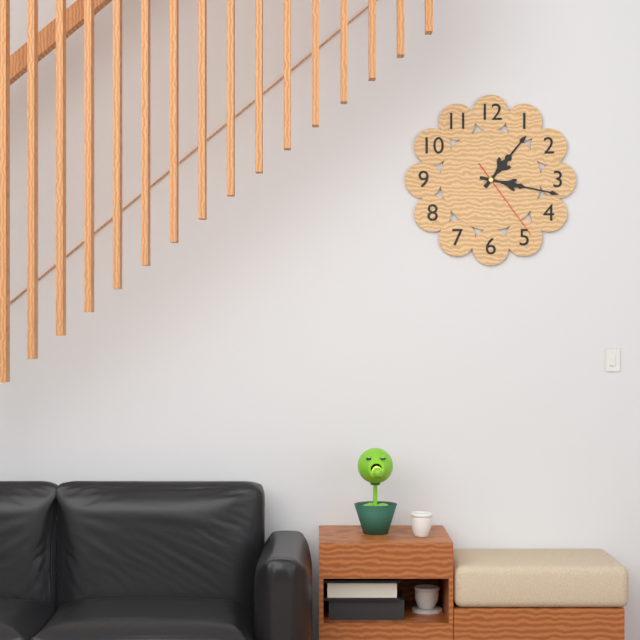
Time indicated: 1:17:24
